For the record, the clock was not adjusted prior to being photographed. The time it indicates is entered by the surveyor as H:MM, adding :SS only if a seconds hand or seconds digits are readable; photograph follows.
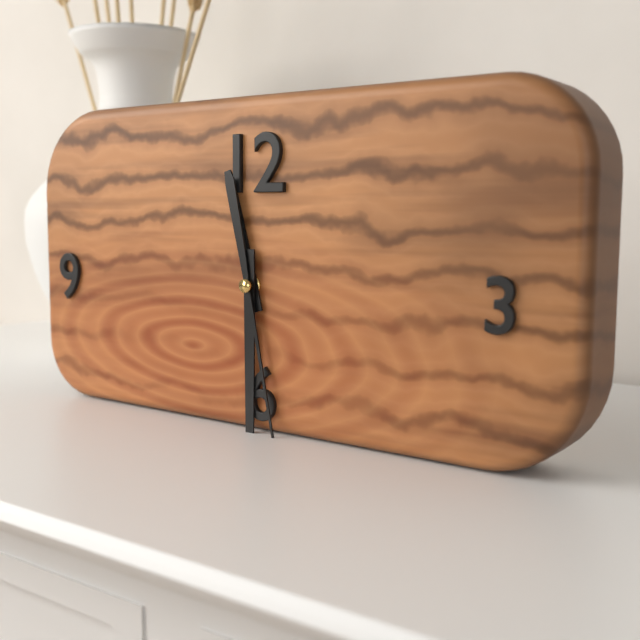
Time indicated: 11:30:28
